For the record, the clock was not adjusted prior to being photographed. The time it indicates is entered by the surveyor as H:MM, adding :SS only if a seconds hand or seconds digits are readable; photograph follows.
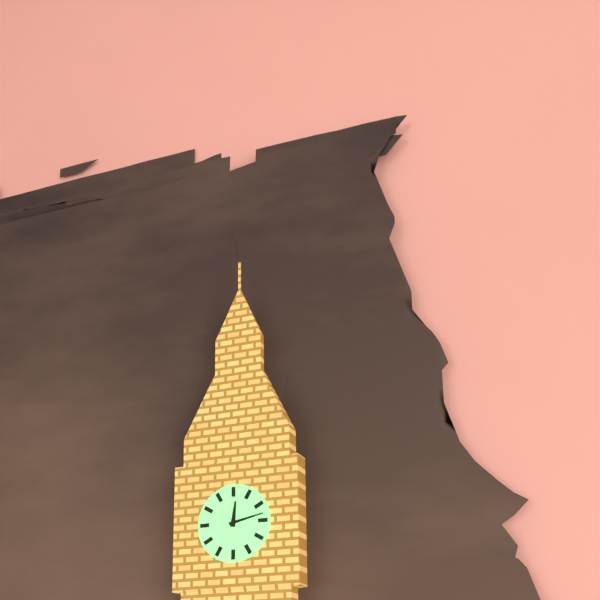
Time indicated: 12:13
